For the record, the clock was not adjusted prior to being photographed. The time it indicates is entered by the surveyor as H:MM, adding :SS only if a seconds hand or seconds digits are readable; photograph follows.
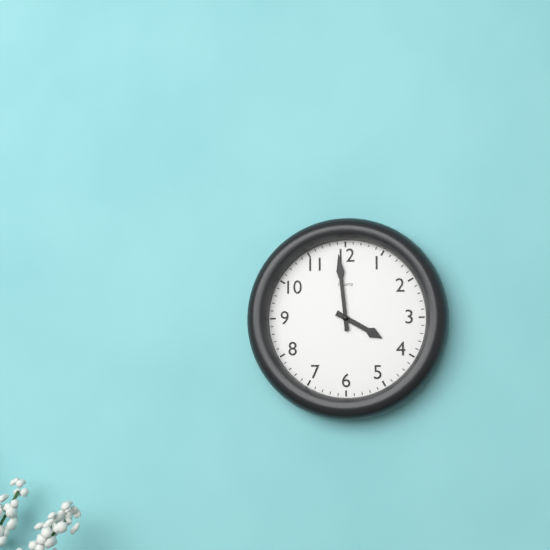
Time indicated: 3:59
